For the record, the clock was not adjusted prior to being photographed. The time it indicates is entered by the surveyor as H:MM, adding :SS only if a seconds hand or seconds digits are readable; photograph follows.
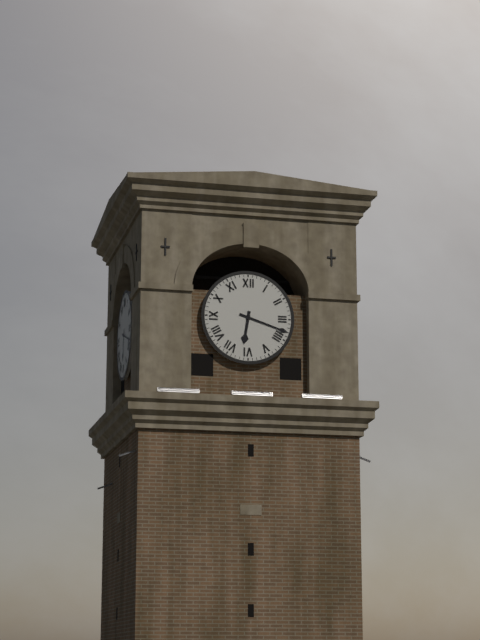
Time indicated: 6:18
